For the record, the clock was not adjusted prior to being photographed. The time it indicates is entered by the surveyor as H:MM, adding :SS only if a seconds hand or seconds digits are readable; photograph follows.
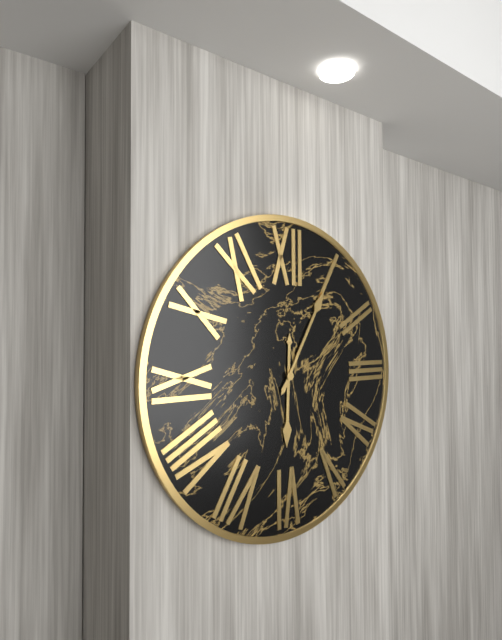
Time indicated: 6:05
